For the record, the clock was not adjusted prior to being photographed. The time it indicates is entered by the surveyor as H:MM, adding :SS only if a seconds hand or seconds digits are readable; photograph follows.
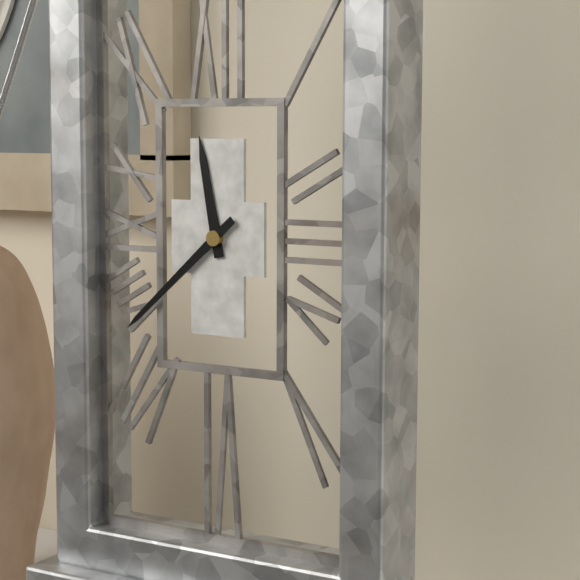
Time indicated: 11:38
